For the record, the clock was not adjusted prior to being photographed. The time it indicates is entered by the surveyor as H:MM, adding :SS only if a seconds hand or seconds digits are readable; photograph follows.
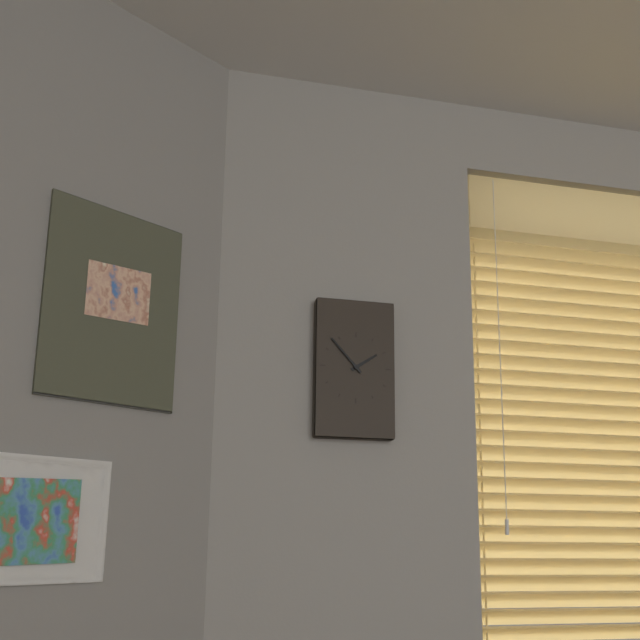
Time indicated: 1:53
